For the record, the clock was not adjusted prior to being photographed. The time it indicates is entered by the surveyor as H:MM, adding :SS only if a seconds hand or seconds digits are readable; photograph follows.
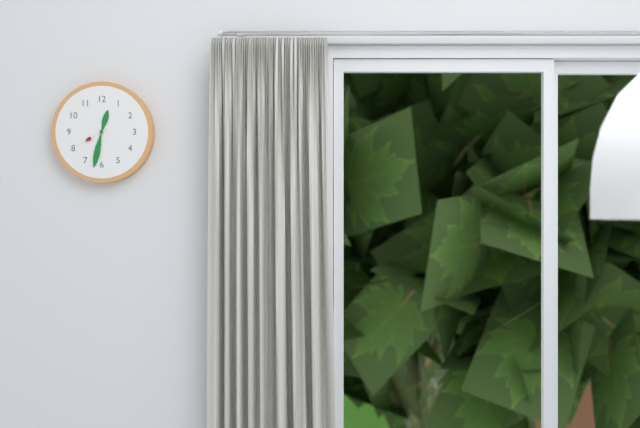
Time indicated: 12:32:40
